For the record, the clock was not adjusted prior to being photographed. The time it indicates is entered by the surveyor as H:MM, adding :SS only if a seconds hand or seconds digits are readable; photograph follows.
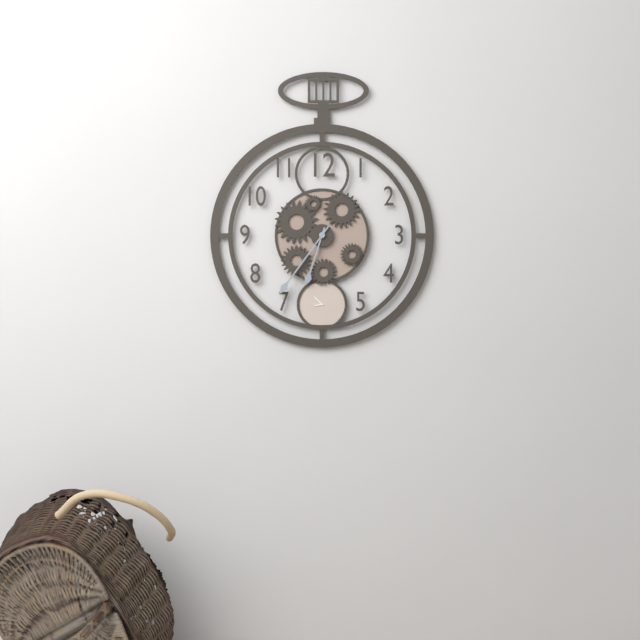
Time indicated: 6:36
